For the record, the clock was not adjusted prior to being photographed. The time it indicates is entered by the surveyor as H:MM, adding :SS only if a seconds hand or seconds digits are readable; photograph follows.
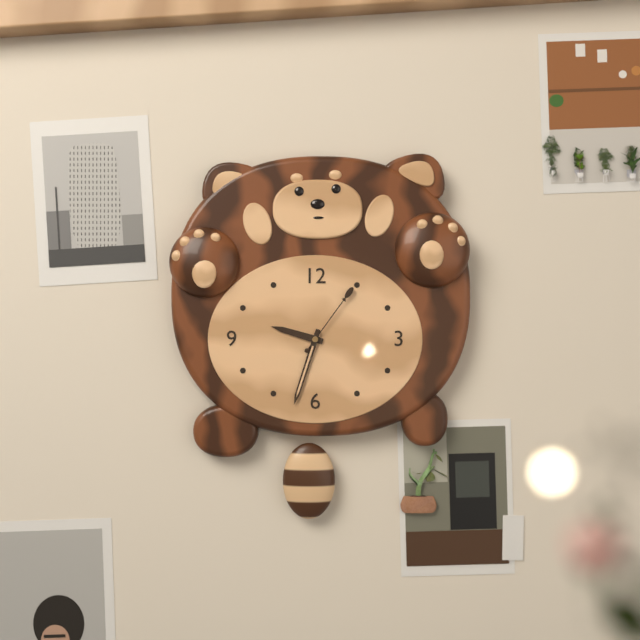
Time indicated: 9:33:06
